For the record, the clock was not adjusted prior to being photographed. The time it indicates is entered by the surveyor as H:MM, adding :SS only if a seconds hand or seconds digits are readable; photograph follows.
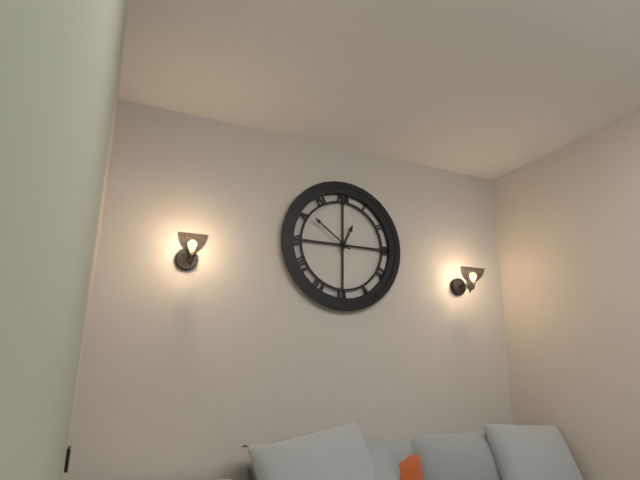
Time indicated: 12:51
